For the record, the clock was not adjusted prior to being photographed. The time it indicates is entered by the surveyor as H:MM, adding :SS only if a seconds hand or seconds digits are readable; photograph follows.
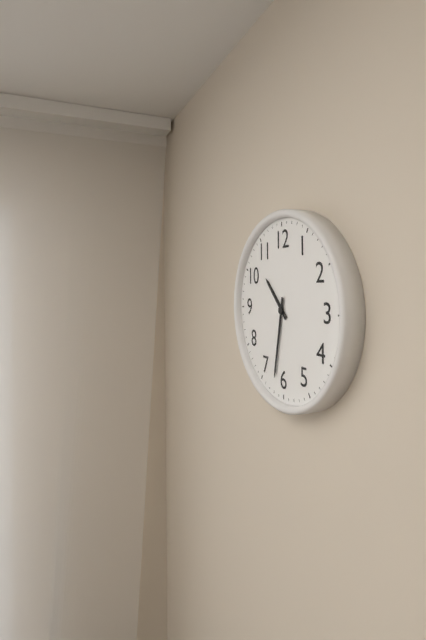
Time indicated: 10:32
